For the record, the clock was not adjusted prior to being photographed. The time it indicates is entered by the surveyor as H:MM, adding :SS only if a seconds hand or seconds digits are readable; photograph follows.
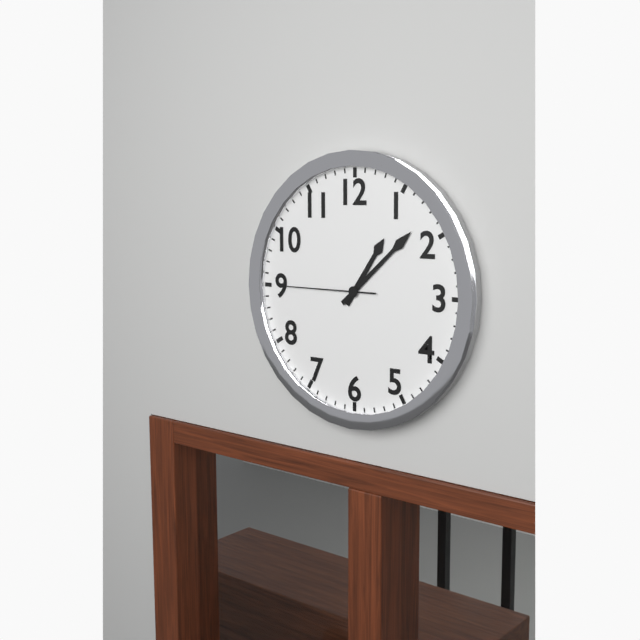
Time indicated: 1:08:45
